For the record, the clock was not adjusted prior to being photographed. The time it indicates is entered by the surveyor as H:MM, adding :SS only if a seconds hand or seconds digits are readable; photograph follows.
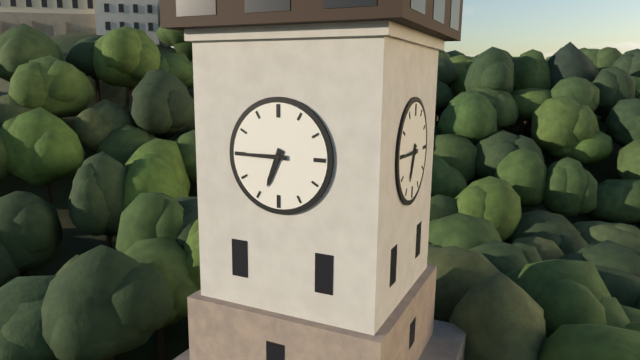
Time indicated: 6:45
